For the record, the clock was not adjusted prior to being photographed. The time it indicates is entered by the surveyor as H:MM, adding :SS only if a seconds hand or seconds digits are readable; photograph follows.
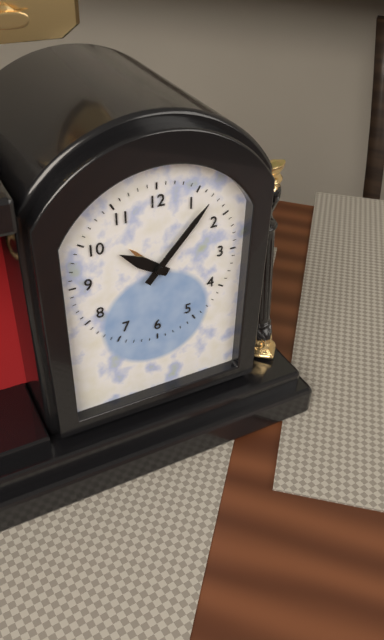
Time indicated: 10:07
